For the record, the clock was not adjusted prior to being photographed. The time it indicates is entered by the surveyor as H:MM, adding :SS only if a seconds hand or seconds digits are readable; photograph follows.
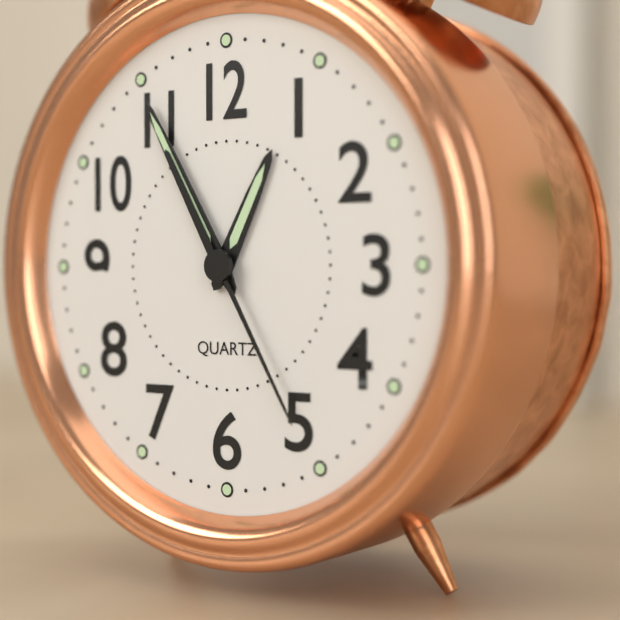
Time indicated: 12:55:25
